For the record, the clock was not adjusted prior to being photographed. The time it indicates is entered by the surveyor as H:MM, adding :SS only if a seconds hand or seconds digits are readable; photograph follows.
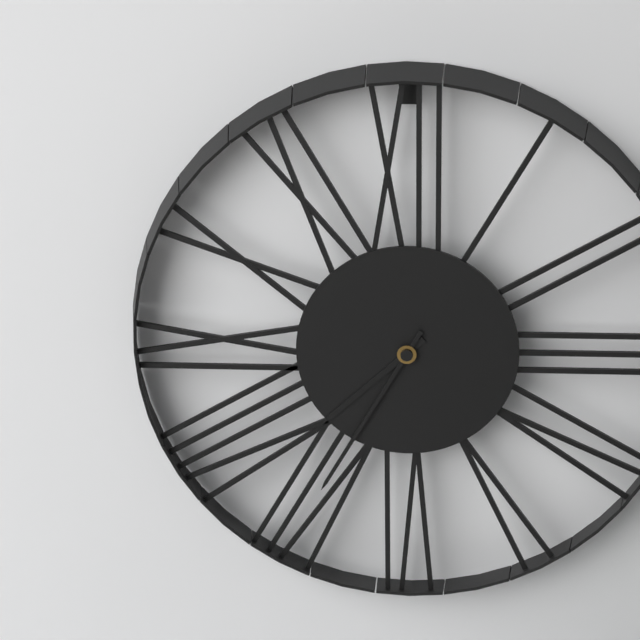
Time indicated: 7:35
